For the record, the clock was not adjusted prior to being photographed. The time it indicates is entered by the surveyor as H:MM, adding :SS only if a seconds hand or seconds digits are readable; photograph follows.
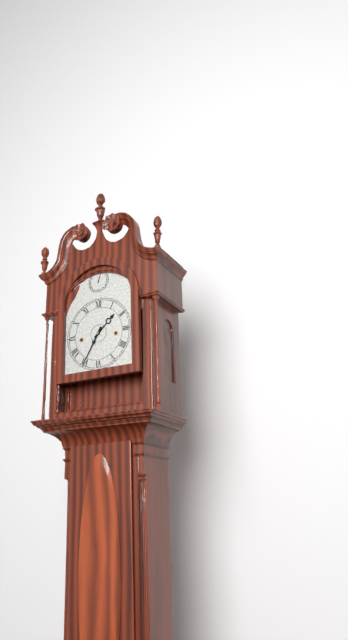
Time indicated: 1:35
